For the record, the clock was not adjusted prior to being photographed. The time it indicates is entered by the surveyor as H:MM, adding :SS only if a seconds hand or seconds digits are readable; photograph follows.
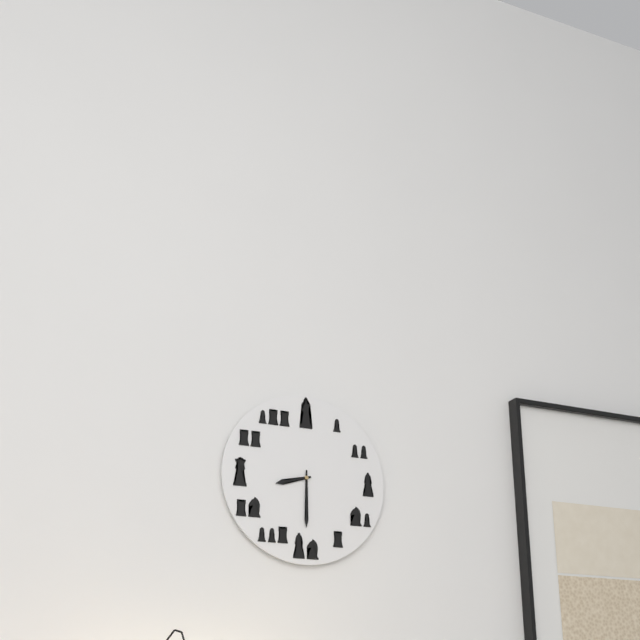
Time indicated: 8:30
